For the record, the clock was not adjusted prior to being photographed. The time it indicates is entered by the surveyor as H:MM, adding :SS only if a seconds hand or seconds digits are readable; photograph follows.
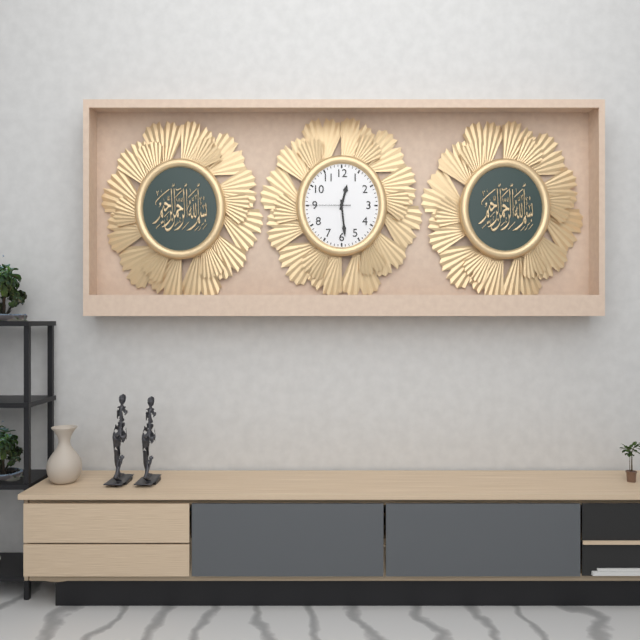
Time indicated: 12:29
